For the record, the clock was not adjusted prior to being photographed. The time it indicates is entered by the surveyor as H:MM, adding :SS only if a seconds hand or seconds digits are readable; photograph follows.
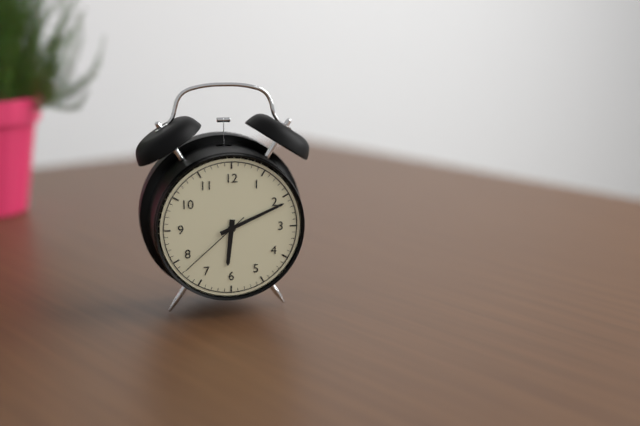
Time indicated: 6:11:38
